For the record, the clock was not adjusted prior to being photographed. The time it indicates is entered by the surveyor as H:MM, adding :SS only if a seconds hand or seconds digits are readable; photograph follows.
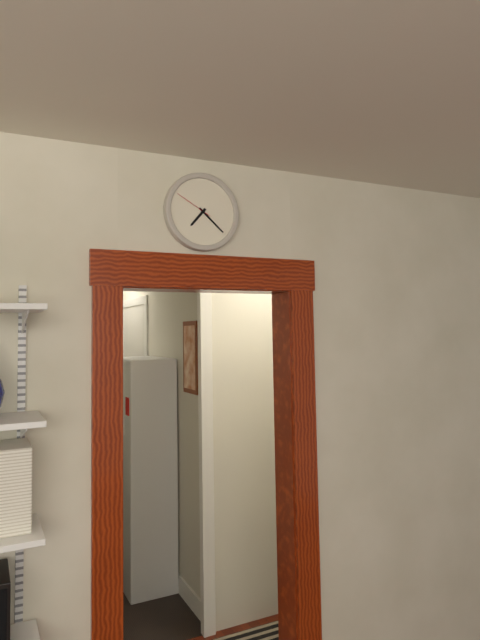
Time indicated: 7:22
